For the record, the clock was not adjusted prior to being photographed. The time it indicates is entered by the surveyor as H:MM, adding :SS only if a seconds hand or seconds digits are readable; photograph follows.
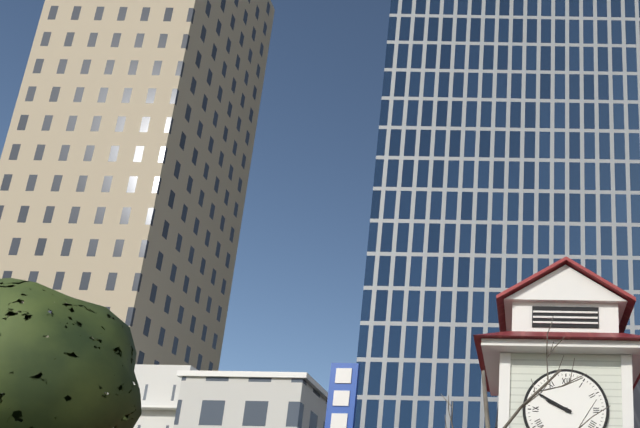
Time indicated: 9:50
